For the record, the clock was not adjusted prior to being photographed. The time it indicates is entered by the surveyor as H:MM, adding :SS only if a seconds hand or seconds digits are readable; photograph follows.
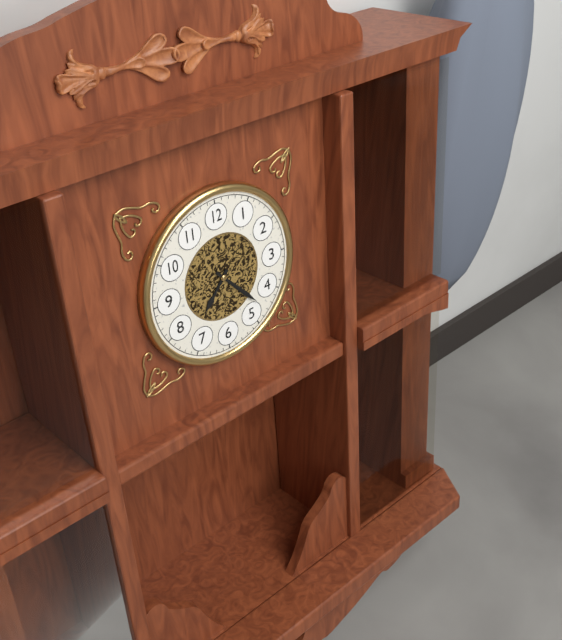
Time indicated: 7:23
